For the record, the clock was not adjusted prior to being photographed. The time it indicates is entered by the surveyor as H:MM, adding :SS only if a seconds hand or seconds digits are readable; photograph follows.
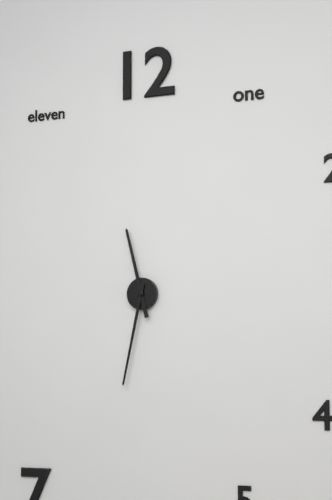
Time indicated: 11:32
